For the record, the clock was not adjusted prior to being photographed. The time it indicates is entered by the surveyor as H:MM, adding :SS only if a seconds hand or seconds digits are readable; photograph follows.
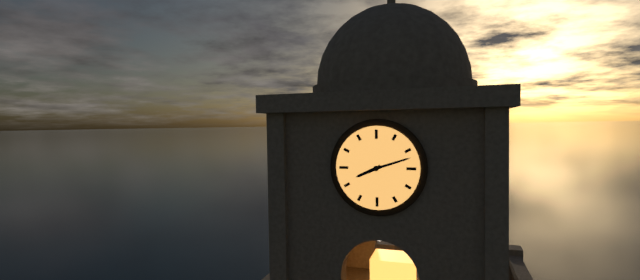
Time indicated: 8:12
